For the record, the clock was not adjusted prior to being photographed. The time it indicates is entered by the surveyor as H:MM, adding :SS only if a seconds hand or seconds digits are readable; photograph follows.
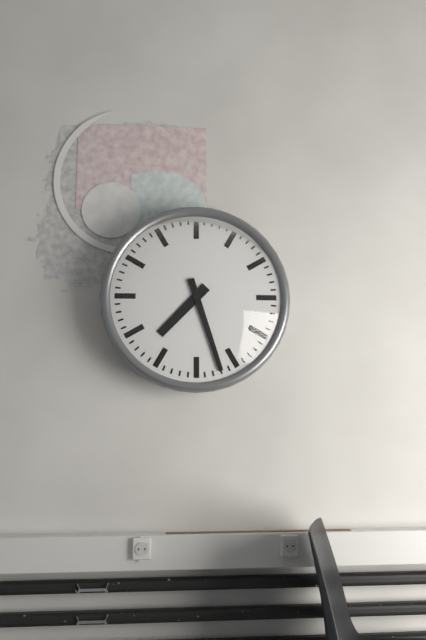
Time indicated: 7:27
